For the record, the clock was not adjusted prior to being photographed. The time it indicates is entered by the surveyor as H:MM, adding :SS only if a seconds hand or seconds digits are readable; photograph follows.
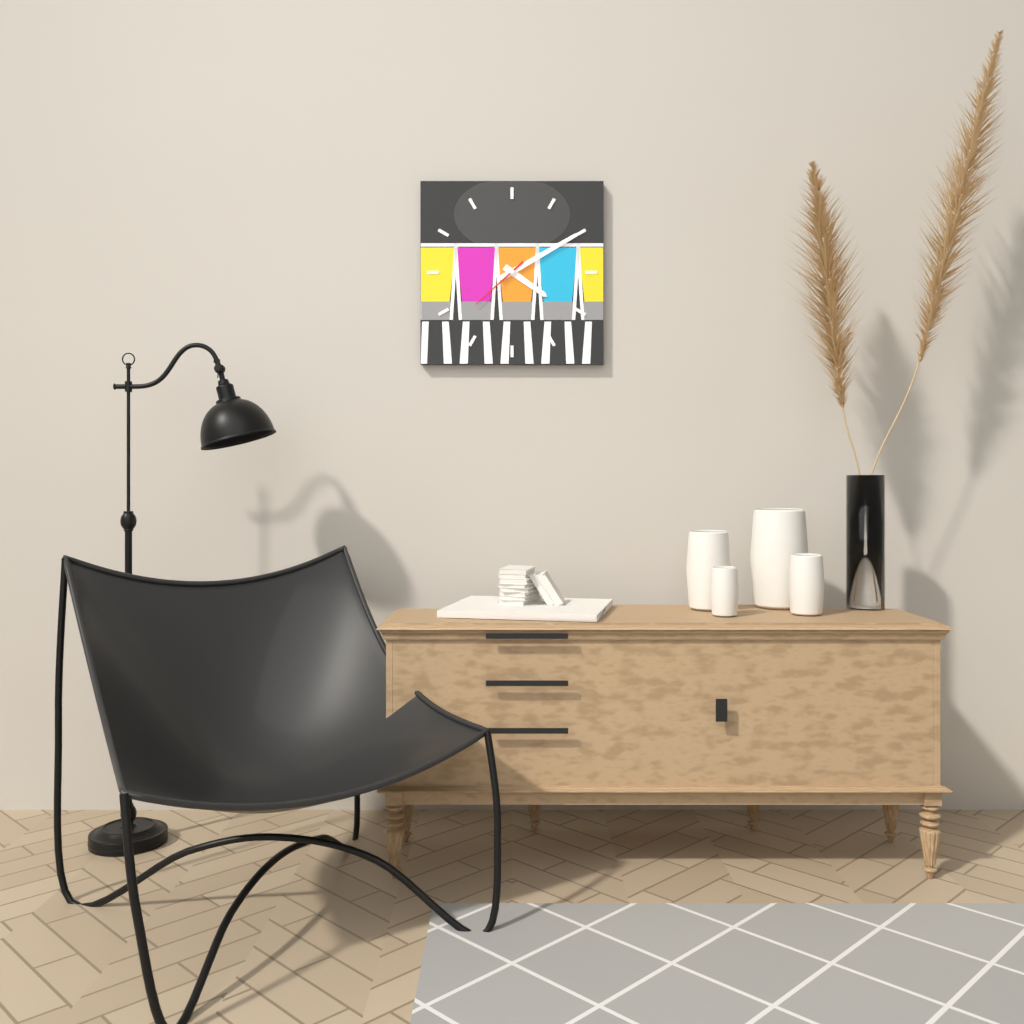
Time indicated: 4:10:38
